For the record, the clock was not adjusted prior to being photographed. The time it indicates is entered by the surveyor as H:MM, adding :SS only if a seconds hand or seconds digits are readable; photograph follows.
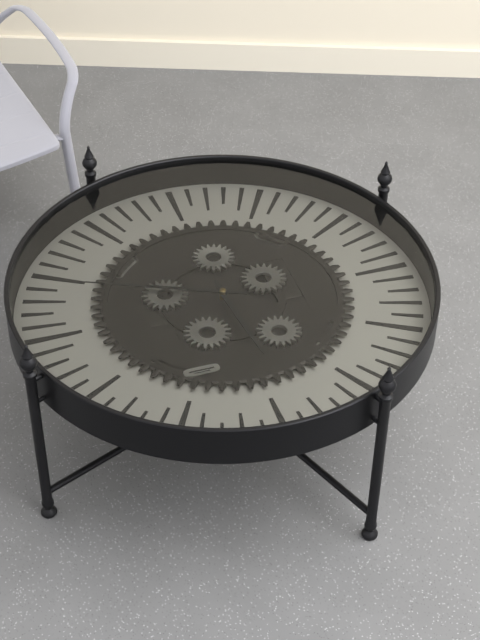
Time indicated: 5:49
